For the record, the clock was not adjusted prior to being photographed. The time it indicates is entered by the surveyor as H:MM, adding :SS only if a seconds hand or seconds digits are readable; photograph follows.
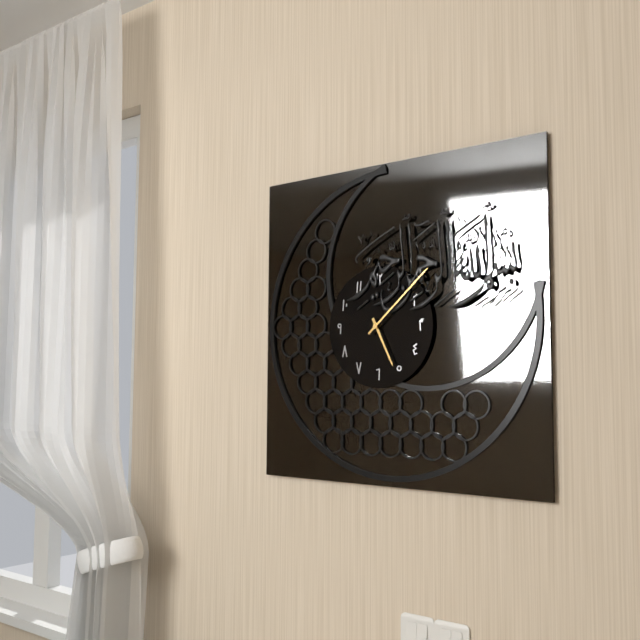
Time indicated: 5:08
